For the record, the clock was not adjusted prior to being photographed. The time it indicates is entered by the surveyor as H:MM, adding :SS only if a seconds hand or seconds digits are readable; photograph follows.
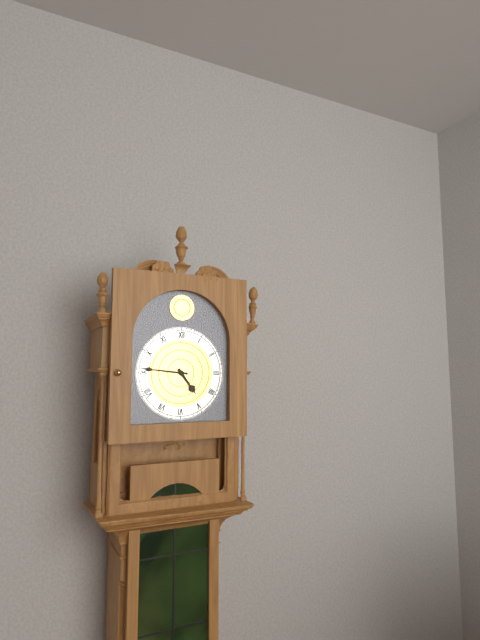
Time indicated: 4:46
